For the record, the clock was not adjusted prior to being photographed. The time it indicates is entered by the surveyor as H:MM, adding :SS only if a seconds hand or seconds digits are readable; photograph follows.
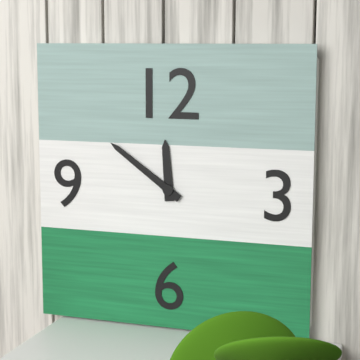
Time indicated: 11:51
